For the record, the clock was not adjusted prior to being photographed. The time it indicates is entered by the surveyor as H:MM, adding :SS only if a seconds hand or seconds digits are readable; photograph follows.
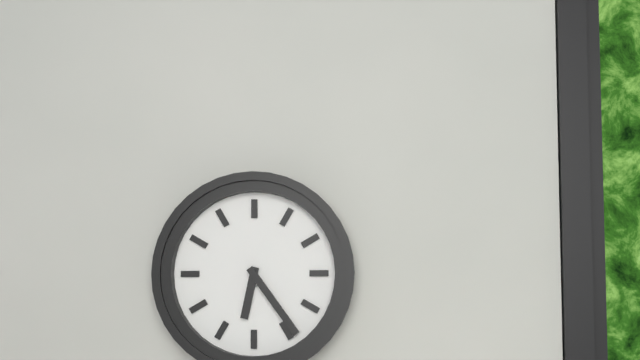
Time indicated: 6:24
